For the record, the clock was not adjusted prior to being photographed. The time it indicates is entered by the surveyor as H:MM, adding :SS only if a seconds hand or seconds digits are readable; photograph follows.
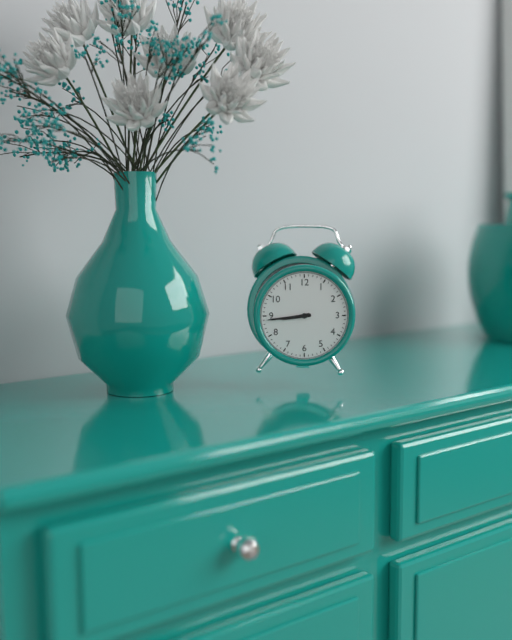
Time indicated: 8:44
